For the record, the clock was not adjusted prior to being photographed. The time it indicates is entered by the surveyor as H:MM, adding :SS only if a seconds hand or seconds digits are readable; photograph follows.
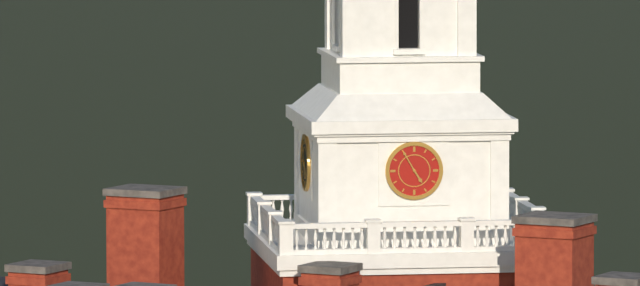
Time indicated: 4:55
